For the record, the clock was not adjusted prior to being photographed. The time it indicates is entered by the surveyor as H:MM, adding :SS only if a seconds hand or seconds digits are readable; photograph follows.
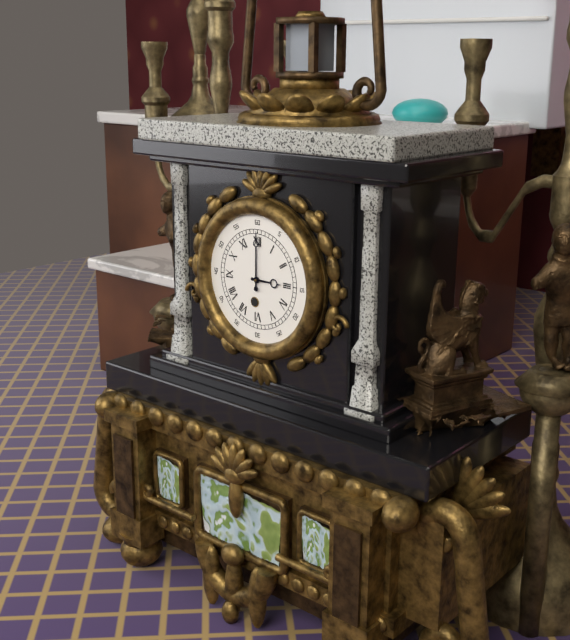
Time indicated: 3:00
